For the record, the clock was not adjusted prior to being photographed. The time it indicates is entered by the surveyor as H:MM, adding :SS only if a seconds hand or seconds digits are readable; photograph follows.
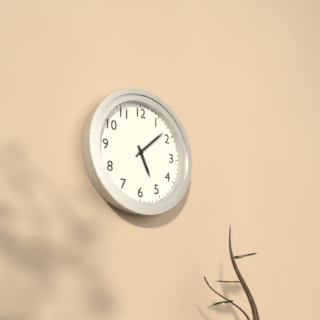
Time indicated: 5:08
